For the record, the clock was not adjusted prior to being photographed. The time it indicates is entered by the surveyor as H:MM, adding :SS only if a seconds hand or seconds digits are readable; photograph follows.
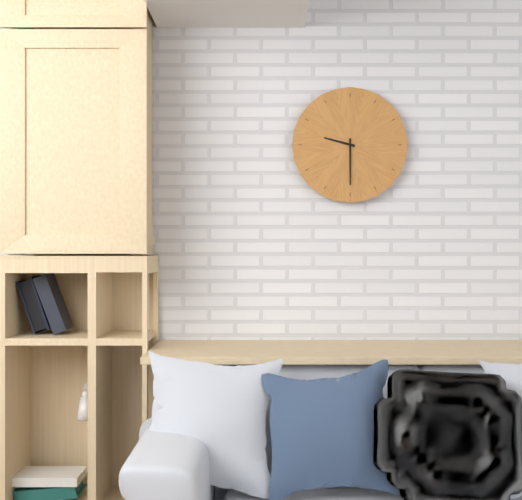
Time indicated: 9:30
